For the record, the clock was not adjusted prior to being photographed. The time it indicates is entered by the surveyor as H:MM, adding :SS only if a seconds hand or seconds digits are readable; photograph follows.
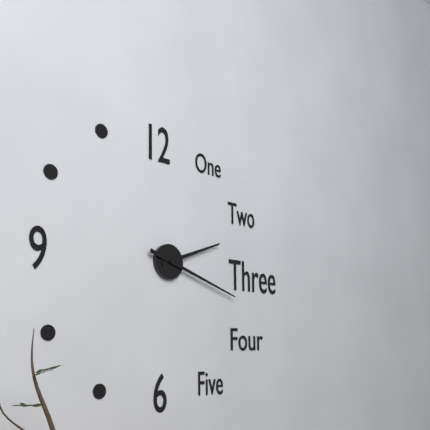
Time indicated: 2:18
